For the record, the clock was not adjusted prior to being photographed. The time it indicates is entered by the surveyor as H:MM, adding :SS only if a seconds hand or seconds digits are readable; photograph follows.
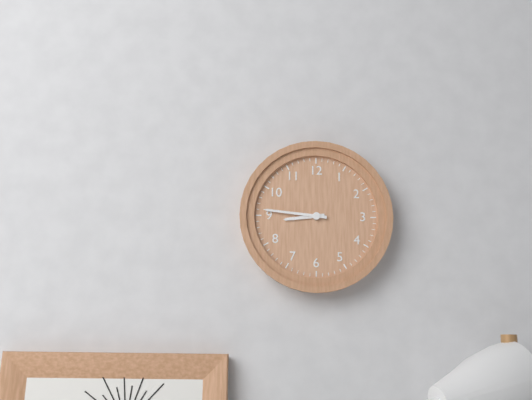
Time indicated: 8:46
